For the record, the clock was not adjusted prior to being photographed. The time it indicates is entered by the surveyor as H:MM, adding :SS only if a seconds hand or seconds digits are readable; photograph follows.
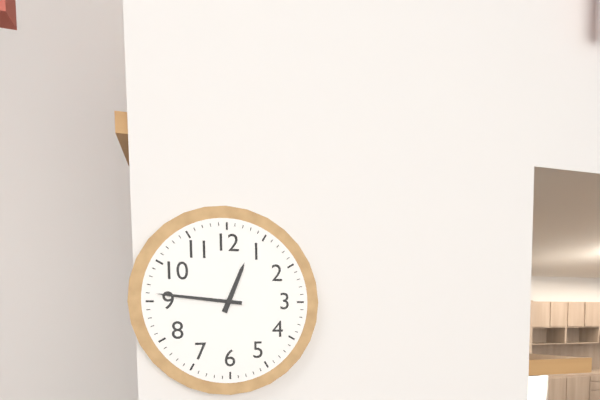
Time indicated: 12:46
